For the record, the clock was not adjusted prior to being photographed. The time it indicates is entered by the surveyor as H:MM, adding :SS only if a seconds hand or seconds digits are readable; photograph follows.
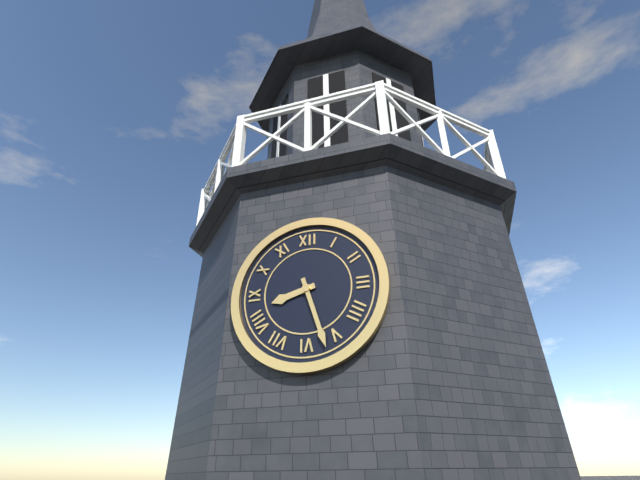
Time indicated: 8:27
